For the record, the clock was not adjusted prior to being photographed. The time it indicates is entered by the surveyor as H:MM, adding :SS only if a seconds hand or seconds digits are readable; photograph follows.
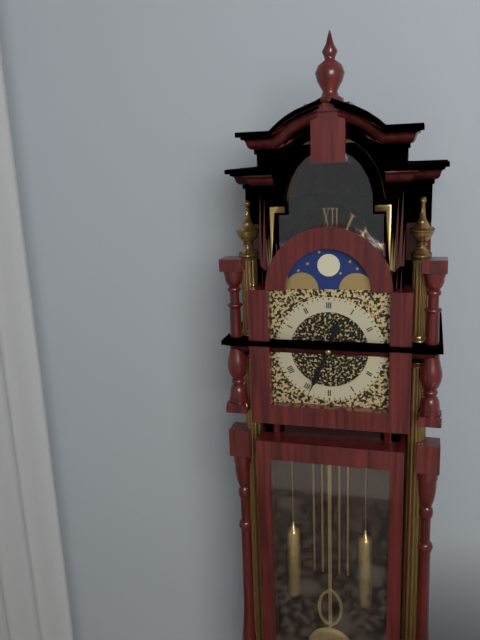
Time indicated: 12:34
